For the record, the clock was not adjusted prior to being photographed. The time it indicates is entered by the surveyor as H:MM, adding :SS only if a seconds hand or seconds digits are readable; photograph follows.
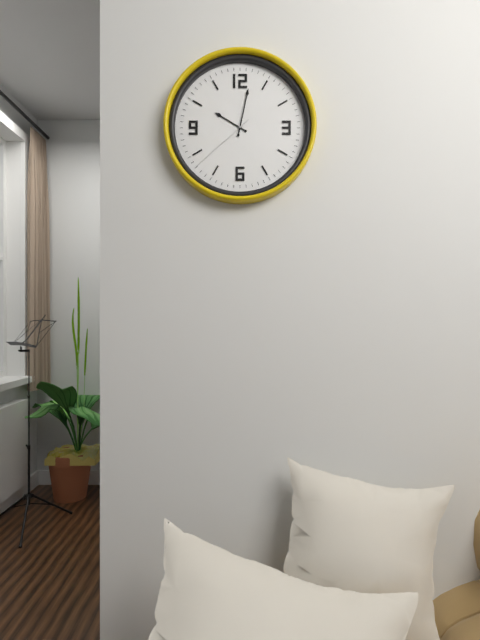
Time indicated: 10:02:38
